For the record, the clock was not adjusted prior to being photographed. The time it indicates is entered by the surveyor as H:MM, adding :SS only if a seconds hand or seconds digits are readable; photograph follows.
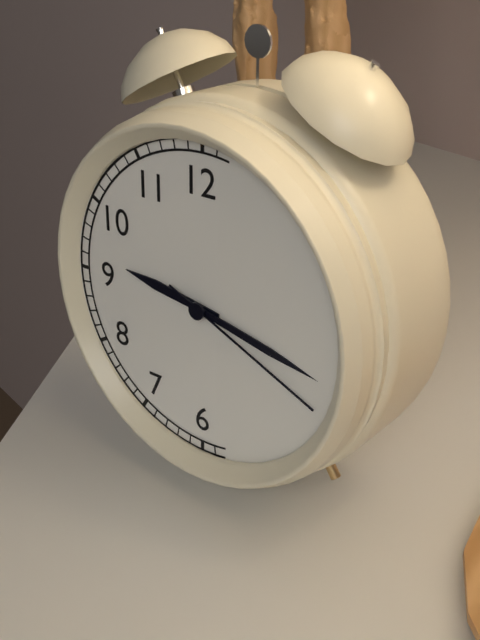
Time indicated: 9:17:19
